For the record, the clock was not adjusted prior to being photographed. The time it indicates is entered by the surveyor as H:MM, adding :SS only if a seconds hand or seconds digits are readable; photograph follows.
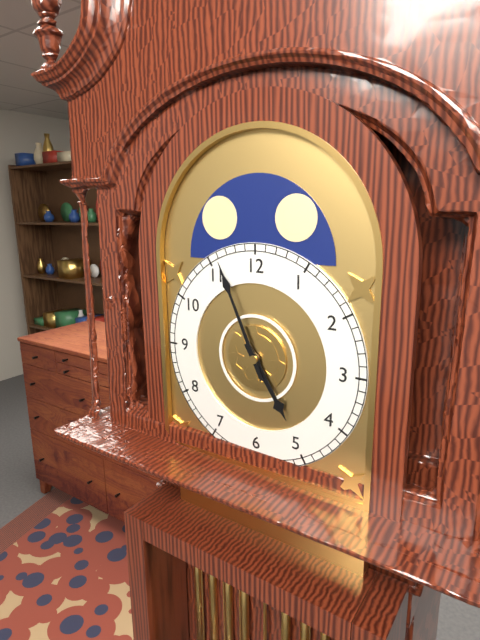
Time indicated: 4:56
